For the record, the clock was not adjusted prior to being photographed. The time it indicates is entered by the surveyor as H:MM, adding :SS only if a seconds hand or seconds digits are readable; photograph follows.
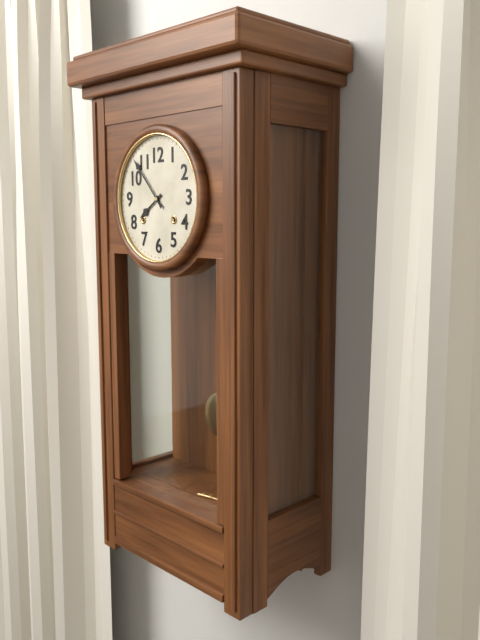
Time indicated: 7:53
